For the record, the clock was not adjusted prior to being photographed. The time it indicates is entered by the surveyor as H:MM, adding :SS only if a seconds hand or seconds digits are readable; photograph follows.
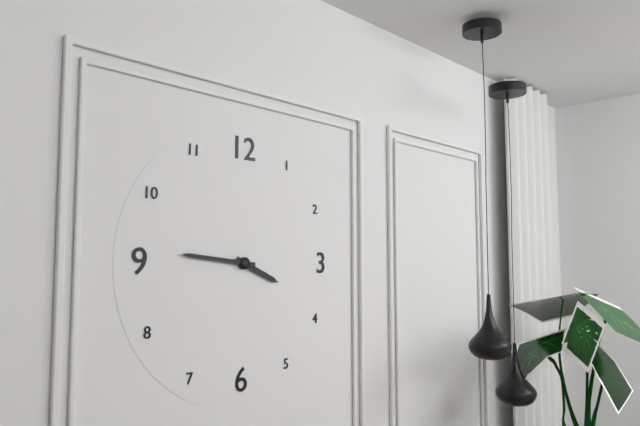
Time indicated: 3:46
